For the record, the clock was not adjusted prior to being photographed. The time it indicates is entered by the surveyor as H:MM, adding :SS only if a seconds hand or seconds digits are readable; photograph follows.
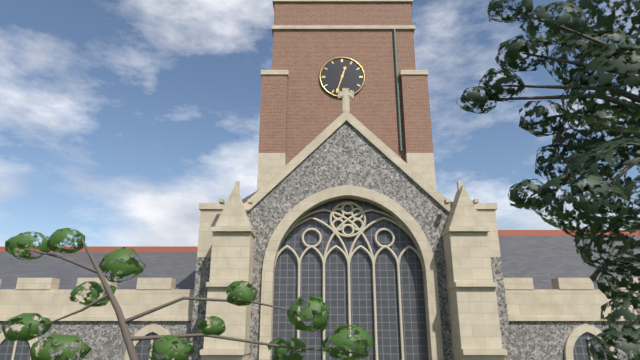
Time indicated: 12:33
